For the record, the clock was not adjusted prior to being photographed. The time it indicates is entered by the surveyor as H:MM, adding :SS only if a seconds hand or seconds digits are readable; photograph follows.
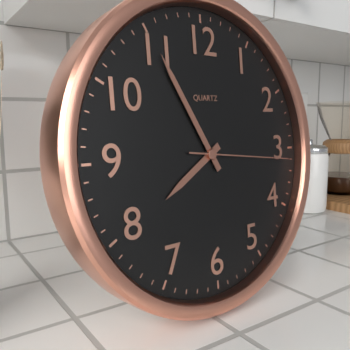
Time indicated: 7:55:16
